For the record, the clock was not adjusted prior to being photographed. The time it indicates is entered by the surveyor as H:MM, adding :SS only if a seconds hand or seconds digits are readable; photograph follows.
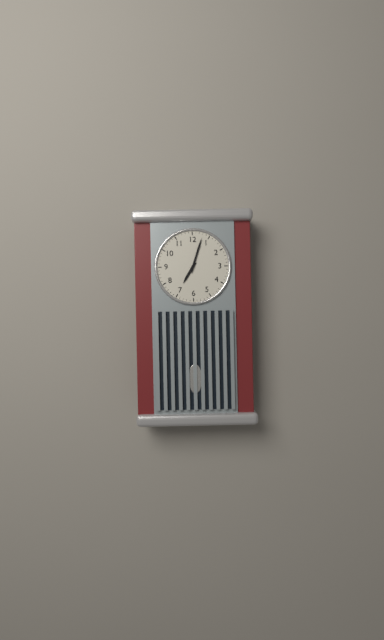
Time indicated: 7:03
